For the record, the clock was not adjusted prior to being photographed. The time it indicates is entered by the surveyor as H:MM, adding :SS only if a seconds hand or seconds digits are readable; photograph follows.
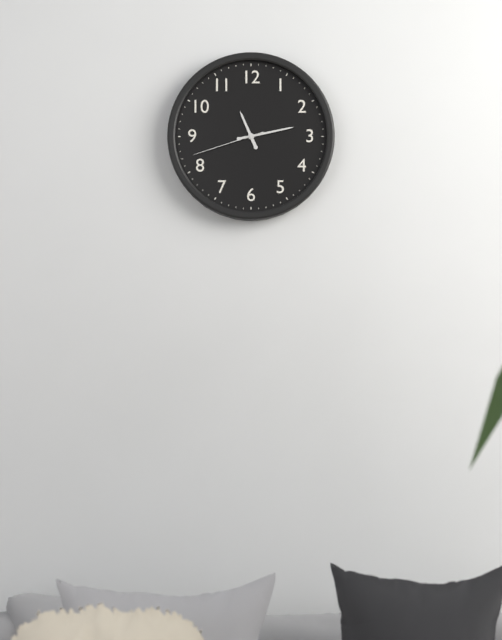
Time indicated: 11:13:42
